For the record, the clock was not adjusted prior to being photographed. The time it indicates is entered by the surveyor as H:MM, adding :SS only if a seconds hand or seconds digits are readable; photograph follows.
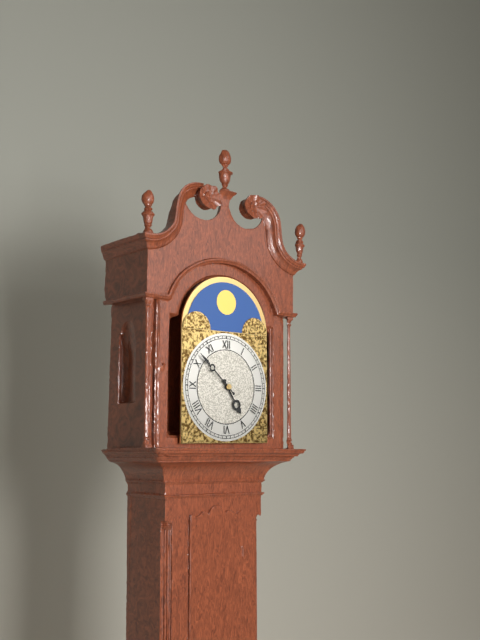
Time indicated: 4:52
